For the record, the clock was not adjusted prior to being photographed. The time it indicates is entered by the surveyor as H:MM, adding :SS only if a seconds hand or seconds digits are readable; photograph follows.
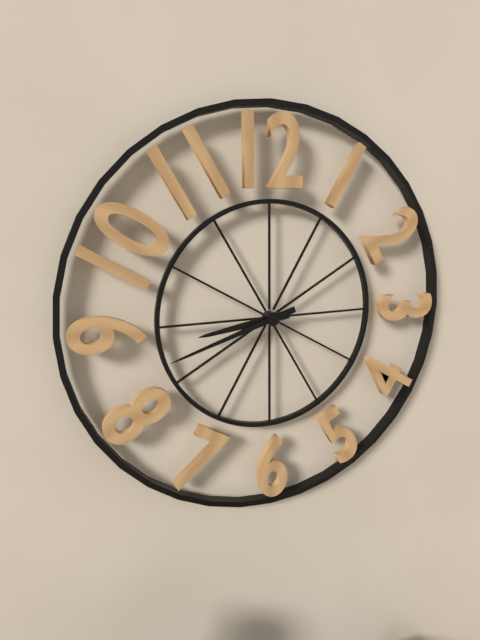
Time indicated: 8:42
